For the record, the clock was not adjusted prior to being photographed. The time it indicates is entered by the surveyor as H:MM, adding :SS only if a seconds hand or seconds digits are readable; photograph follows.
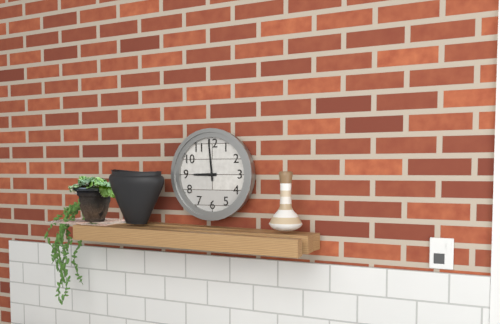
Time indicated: 8:59
